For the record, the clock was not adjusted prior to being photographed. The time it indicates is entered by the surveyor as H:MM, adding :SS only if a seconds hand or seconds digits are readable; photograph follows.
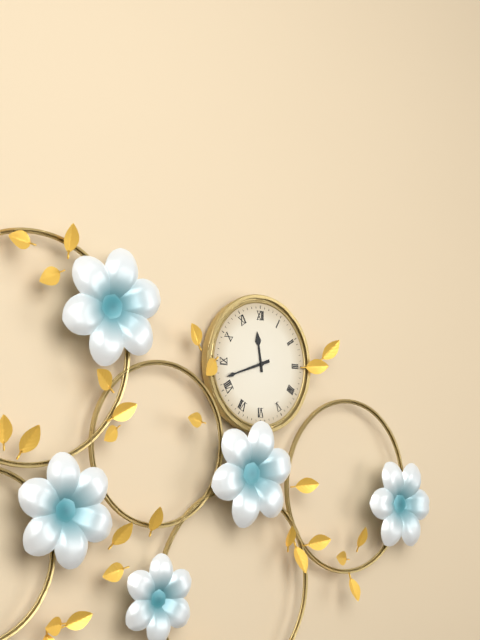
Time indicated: 11:42
